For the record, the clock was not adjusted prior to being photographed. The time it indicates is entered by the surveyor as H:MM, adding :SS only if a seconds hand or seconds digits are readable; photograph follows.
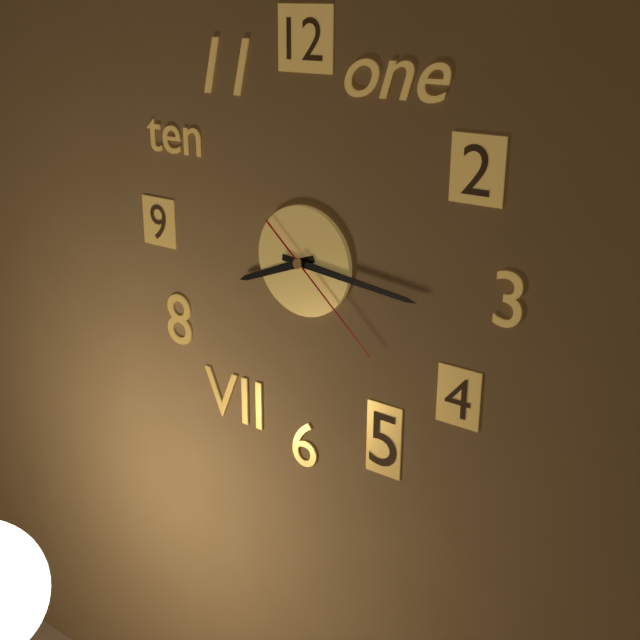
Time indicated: 8:16:22
